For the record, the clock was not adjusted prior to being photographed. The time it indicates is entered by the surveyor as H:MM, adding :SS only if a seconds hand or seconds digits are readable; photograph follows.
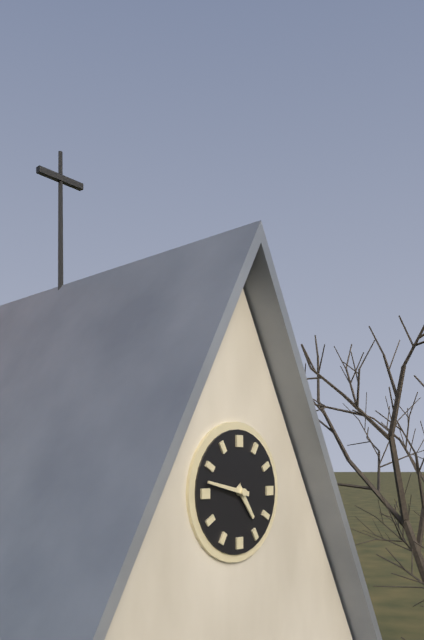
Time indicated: 4:47
